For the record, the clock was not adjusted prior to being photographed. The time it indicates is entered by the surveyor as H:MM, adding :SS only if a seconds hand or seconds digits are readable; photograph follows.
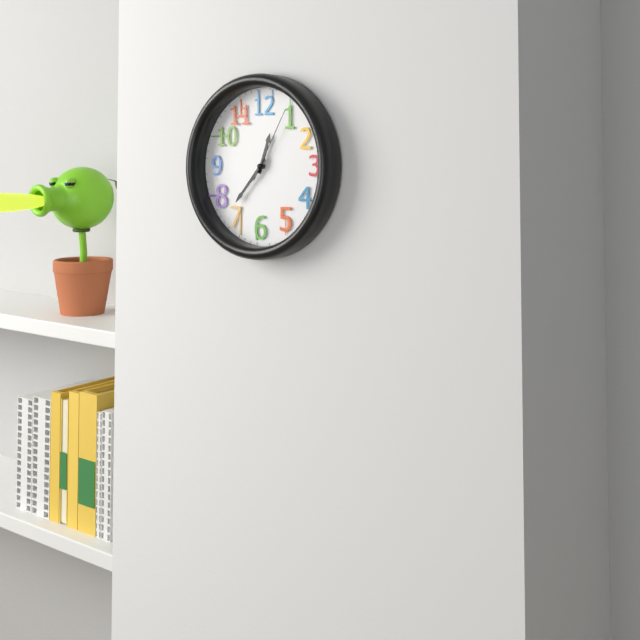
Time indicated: 12:37:05
